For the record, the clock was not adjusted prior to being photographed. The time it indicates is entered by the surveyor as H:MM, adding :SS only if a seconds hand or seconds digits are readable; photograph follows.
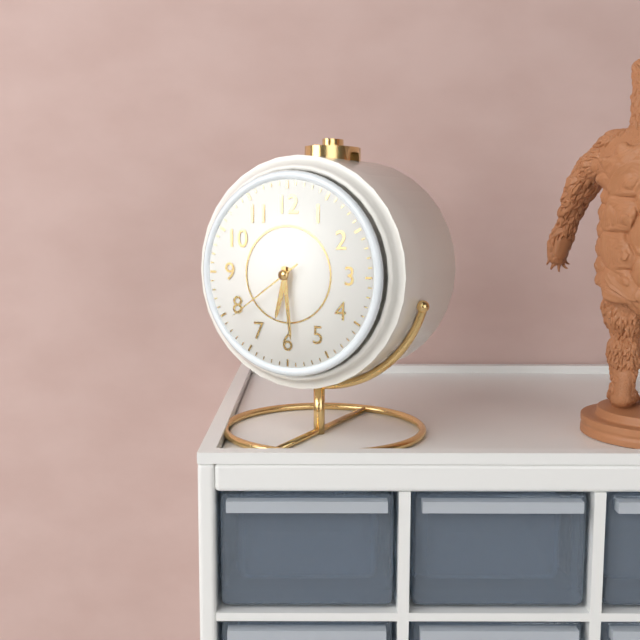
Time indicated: 6:29:39
